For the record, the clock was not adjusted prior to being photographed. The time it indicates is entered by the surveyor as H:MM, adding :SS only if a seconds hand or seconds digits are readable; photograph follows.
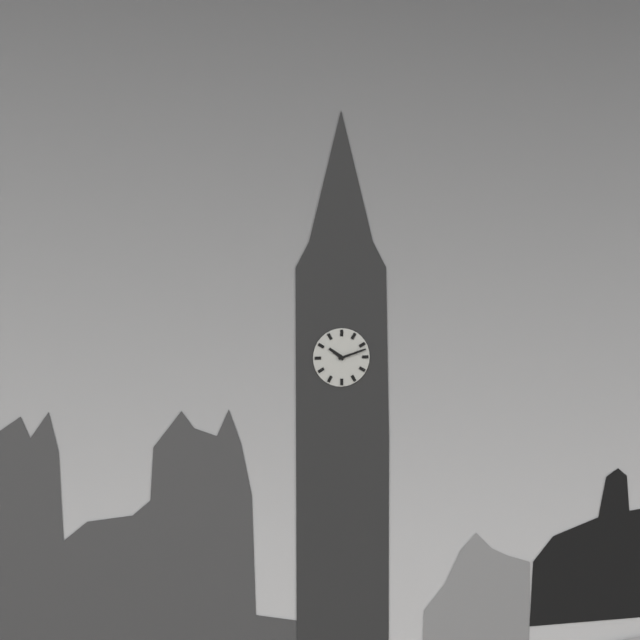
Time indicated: 10:12
